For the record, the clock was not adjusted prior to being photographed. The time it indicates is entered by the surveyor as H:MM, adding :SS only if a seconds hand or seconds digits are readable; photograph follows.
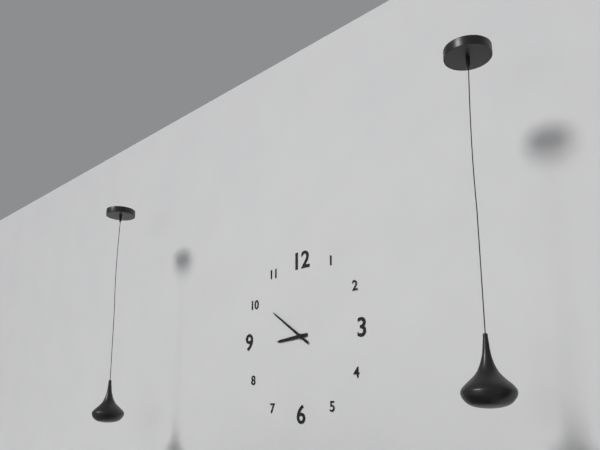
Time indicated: 8:51
